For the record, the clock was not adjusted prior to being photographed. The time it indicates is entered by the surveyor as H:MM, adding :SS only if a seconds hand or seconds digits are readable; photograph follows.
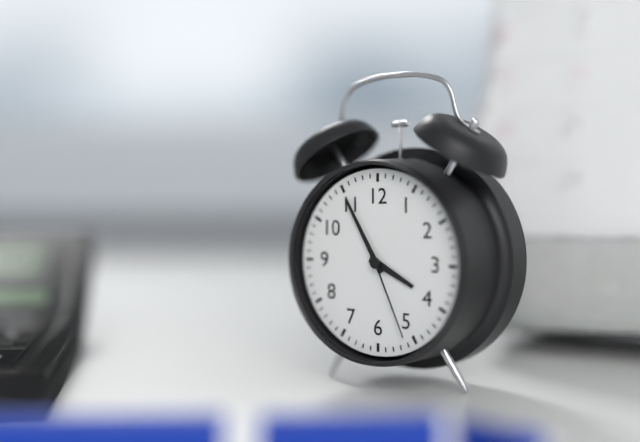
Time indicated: 3:55:26
